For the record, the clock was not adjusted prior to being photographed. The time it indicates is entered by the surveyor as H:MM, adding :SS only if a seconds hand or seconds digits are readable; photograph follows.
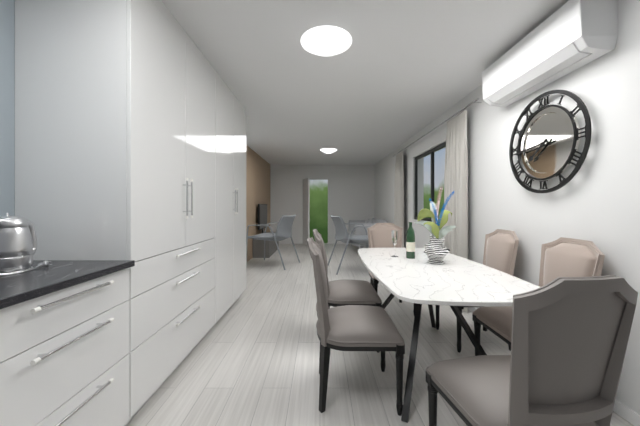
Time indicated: 7:44
